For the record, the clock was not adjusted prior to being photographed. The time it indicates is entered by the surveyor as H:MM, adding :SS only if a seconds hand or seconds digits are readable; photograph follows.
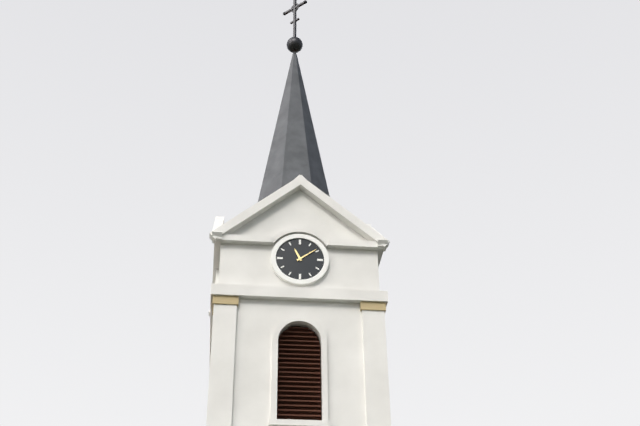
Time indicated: 11:09
